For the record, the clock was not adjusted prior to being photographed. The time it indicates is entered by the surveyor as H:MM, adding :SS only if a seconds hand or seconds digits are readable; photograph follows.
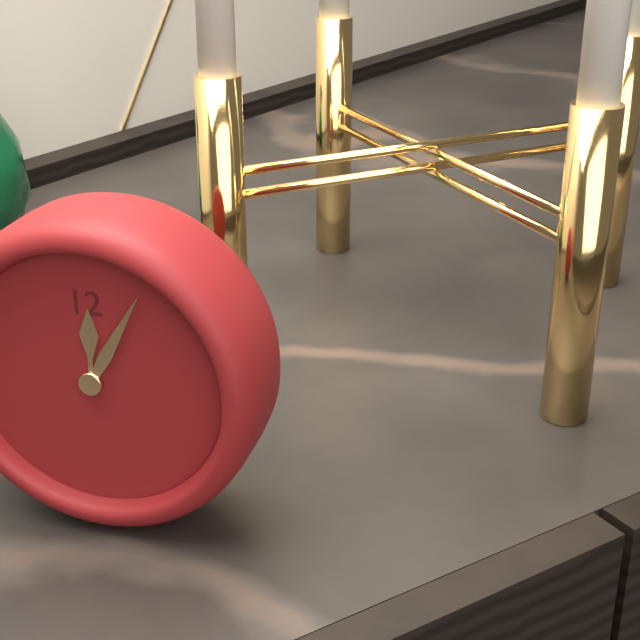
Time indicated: 12:05
